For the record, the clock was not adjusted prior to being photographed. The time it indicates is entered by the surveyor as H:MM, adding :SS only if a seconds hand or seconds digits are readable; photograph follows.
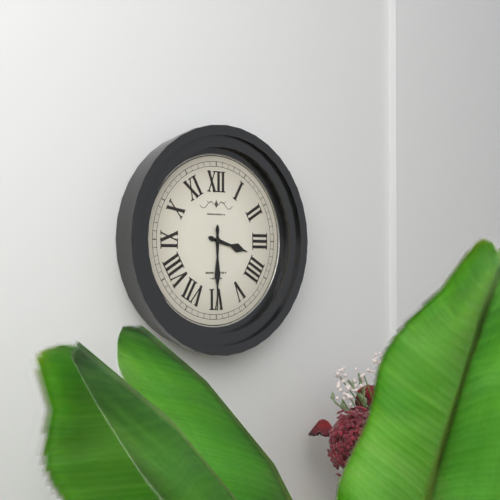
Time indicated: 3:30
